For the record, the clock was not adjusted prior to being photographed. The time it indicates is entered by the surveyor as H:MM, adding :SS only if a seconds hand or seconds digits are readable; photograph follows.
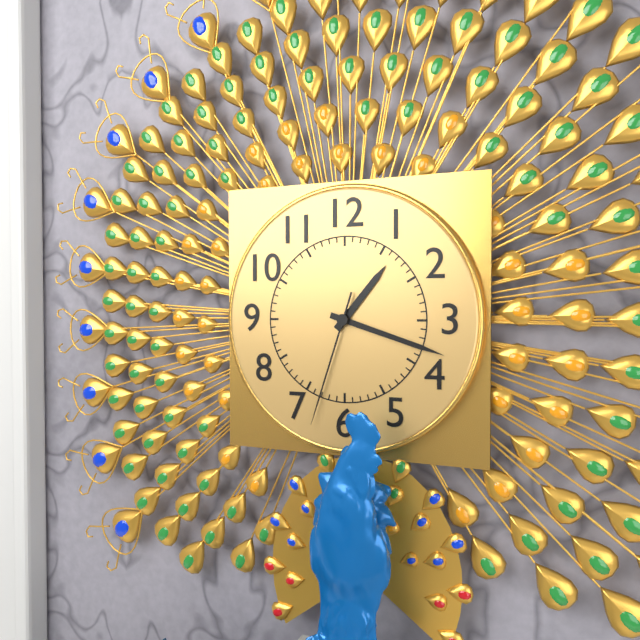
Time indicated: 1:18:33
